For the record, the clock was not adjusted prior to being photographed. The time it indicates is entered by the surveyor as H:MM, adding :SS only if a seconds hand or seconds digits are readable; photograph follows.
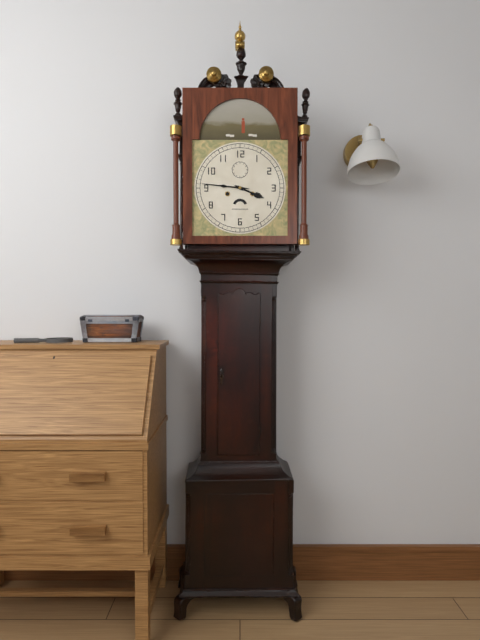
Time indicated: 3:46
